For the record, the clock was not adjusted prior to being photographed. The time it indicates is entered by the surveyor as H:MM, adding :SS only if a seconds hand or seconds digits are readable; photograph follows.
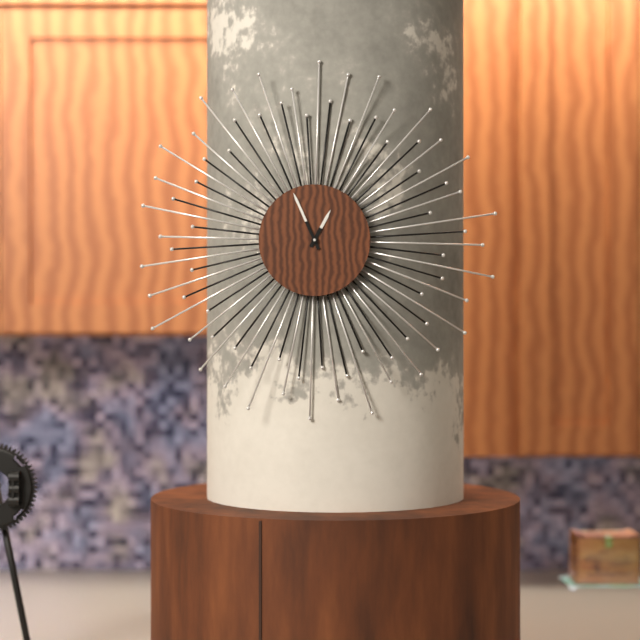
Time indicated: 12:56
